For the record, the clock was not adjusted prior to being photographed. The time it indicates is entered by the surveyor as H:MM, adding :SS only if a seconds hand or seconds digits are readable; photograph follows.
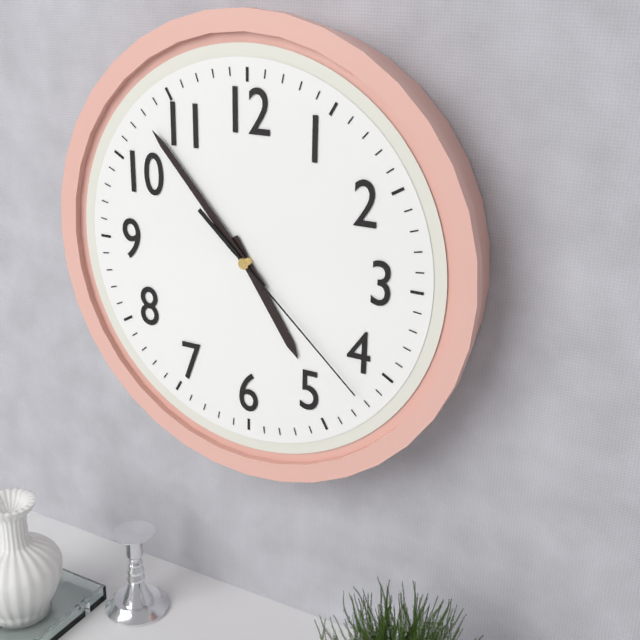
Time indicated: 4:53:22
